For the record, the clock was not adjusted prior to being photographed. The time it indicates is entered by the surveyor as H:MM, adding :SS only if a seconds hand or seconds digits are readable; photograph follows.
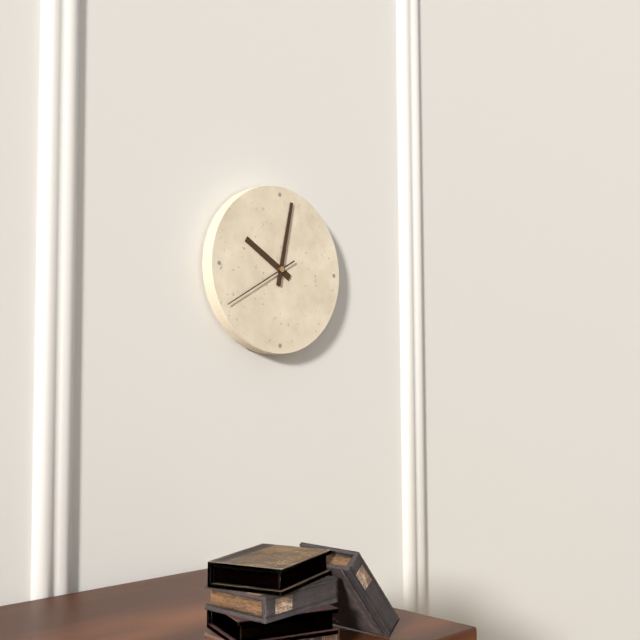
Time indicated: 10:02:40
